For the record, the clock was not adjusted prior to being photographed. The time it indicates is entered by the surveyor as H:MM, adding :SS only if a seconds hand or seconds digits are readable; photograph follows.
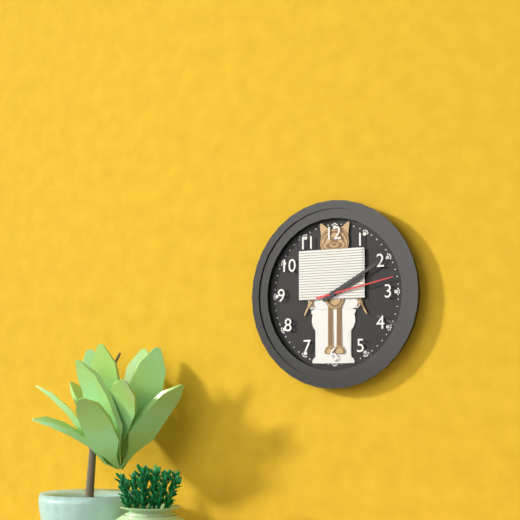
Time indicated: 2:10:13
